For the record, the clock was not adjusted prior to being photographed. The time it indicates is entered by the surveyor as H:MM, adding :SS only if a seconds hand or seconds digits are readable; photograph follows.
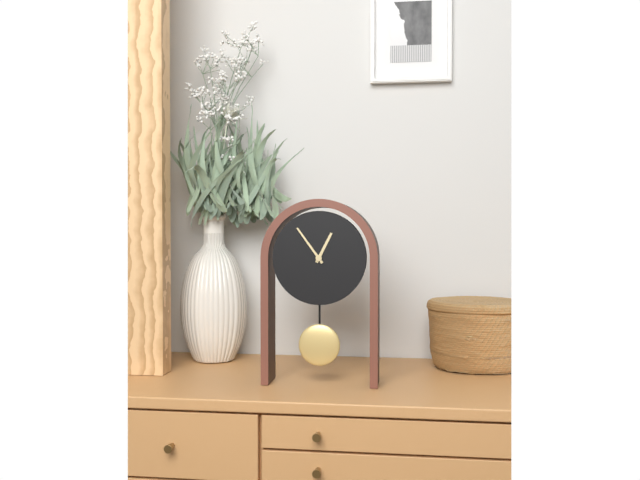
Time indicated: 12:54
